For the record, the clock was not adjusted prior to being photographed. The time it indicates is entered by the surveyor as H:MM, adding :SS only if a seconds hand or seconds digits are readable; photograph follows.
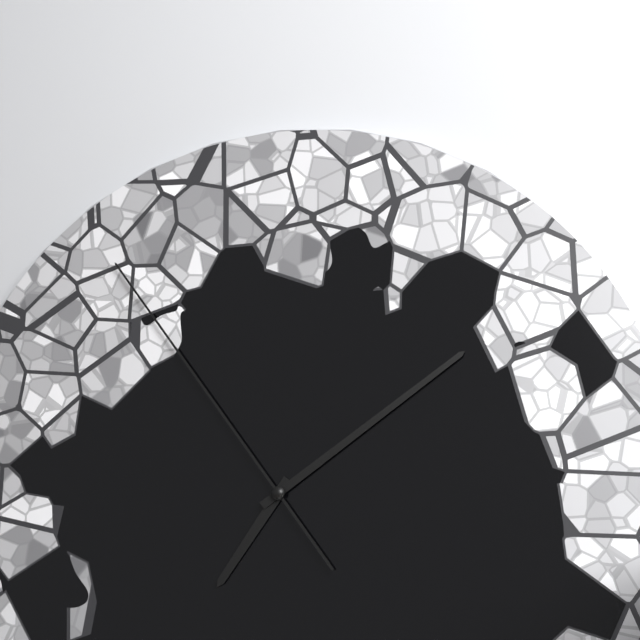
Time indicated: 7:09:54
